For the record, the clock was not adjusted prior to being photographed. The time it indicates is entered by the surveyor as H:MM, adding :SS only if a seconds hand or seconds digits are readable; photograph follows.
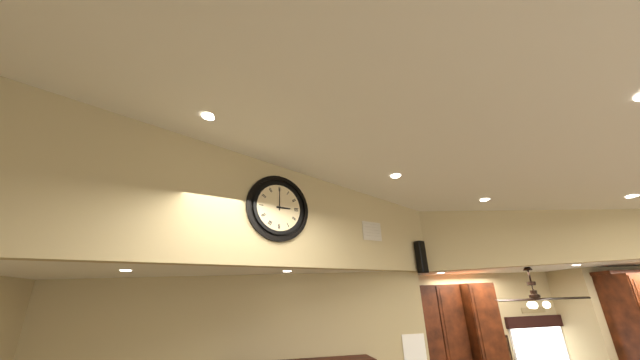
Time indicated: 3:00
